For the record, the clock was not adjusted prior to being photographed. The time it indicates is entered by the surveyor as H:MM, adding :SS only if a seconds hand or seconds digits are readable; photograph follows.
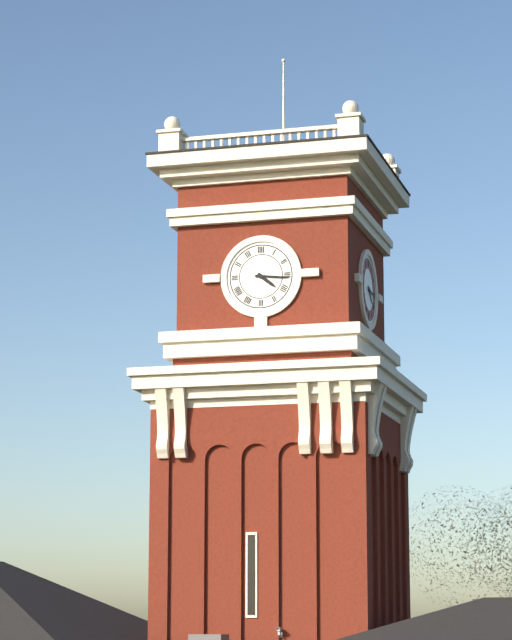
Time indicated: 4:16
